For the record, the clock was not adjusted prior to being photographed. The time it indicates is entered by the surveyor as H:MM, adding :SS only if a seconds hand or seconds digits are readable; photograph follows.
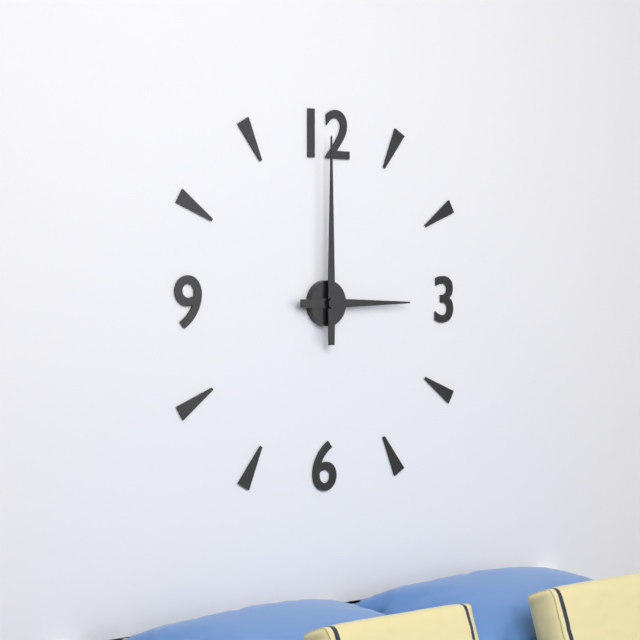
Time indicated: 3:00
